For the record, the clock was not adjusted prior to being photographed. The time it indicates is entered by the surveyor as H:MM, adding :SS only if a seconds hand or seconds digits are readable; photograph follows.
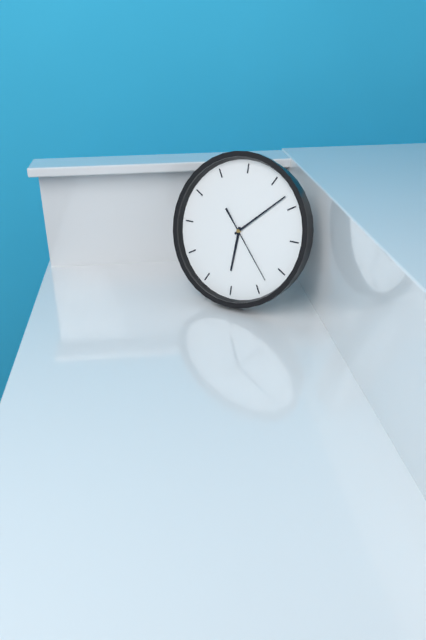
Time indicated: 6:08:23
